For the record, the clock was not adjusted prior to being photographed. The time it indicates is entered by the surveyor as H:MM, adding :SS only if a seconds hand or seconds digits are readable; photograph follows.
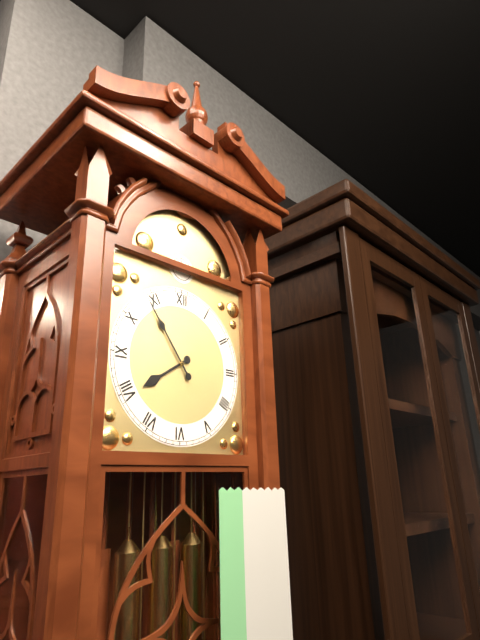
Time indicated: 7:54
